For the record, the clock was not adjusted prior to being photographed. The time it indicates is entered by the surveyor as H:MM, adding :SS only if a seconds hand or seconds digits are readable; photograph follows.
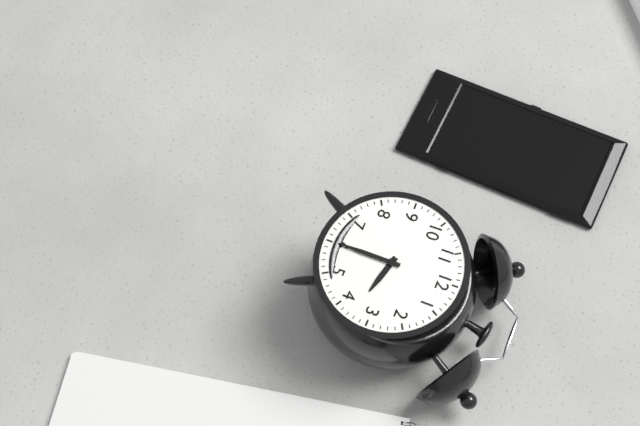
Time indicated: 3:30
